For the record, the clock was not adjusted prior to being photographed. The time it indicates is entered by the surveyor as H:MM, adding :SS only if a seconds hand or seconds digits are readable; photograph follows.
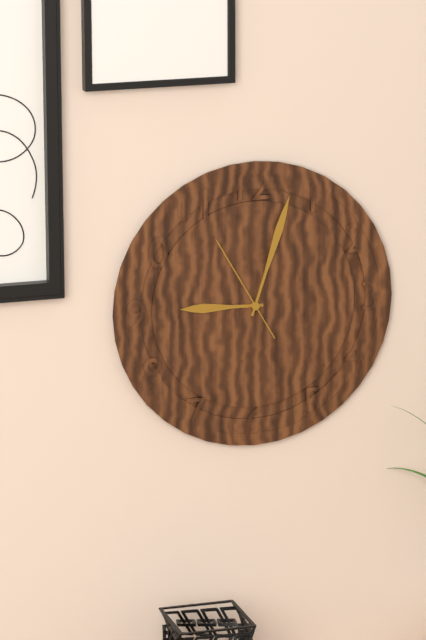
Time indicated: 9:03:55
